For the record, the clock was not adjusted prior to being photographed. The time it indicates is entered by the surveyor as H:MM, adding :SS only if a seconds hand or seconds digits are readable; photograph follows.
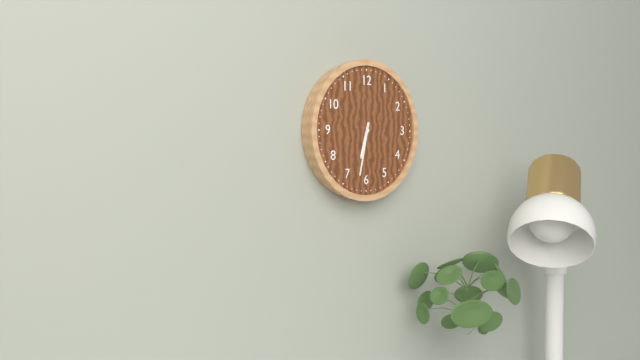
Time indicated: 6:32
